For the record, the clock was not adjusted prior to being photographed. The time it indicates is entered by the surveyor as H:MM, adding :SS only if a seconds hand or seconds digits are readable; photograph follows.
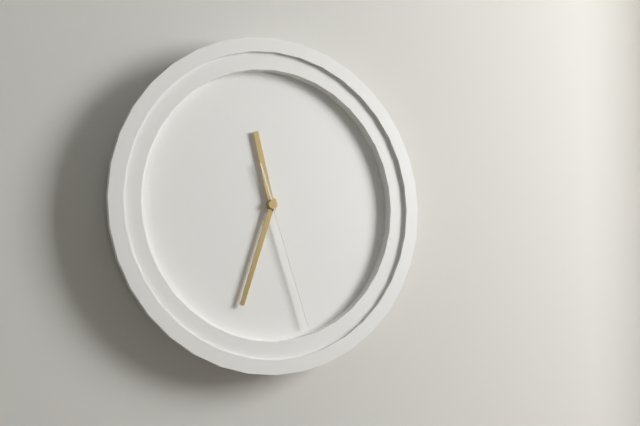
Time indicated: 11:33:27
